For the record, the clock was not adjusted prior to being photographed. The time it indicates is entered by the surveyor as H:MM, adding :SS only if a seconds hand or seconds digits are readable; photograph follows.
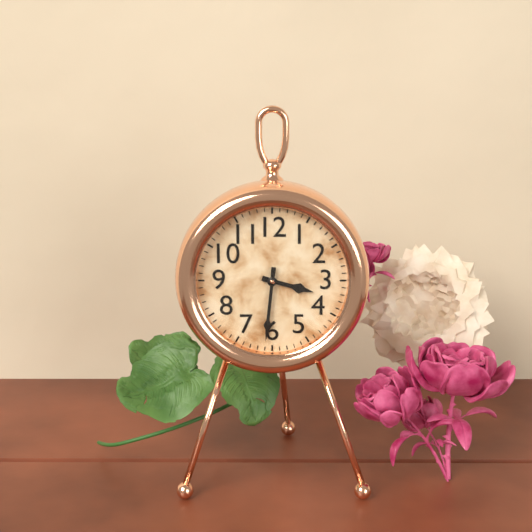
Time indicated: 3:31
